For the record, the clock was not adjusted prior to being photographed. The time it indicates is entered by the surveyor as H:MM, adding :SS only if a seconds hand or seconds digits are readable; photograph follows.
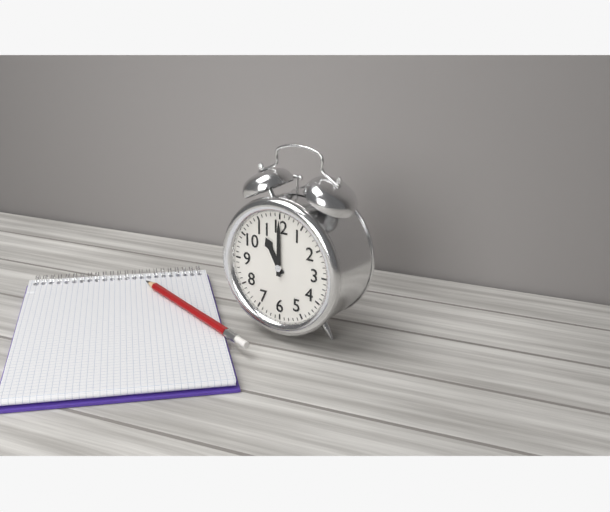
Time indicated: 11:00
